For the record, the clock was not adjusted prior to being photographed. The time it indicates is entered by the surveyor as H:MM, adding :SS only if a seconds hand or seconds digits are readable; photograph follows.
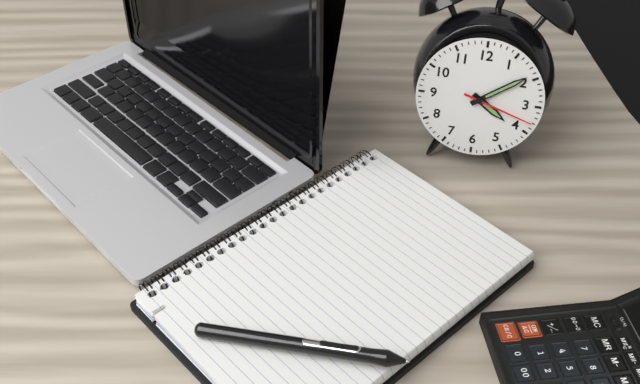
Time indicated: 4:09:18
